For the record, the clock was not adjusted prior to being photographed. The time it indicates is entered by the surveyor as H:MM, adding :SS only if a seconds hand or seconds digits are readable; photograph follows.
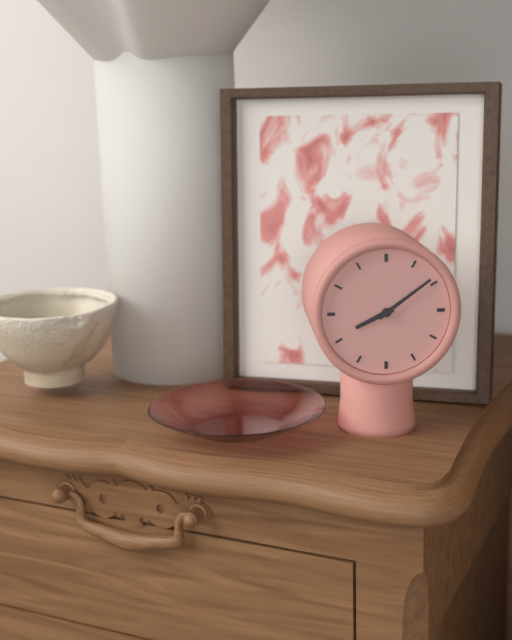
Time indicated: 8:09
